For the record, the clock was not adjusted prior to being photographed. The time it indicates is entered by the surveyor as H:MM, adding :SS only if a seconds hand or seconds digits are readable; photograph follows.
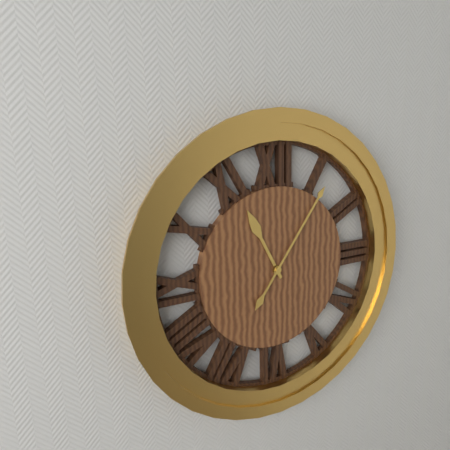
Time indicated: 11:06
